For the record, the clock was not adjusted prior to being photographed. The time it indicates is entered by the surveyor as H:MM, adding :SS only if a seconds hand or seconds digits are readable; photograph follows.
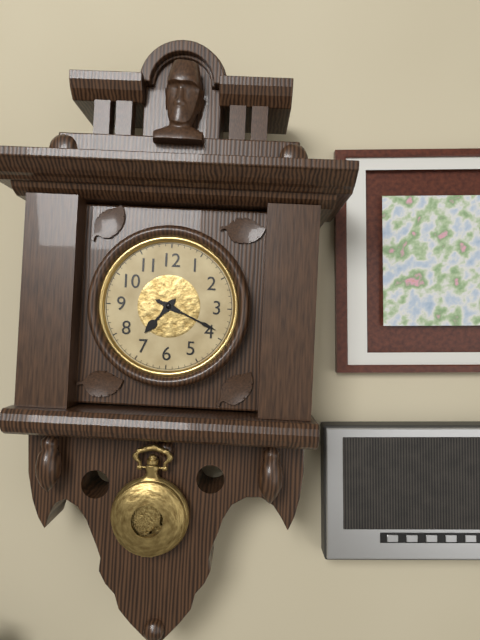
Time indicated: 7:19
